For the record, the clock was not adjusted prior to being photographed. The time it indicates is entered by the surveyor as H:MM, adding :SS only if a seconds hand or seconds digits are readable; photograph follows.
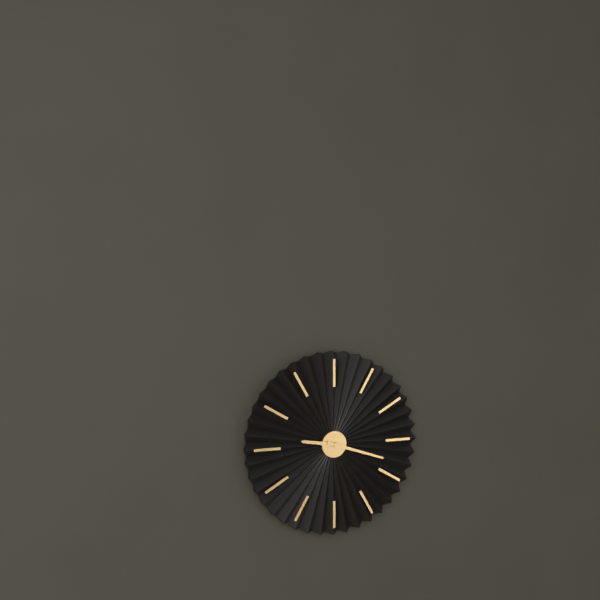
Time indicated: 9:18
